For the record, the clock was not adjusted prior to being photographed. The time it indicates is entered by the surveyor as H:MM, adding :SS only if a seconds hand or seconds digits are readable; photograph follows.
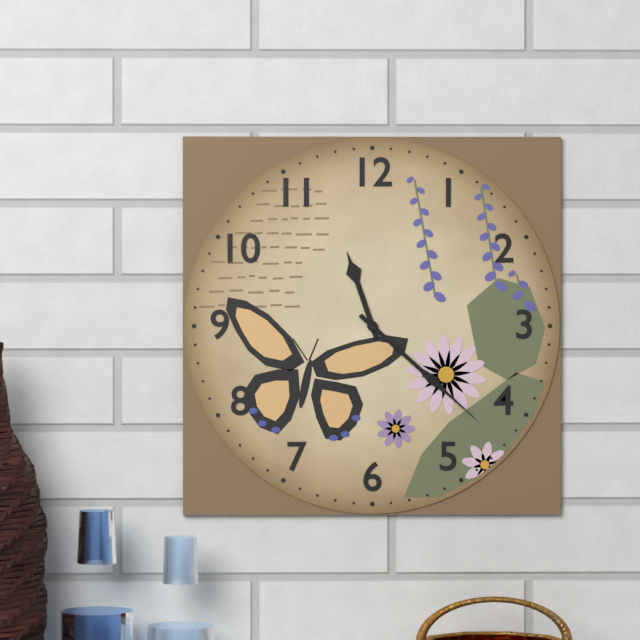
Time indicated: 11:22
